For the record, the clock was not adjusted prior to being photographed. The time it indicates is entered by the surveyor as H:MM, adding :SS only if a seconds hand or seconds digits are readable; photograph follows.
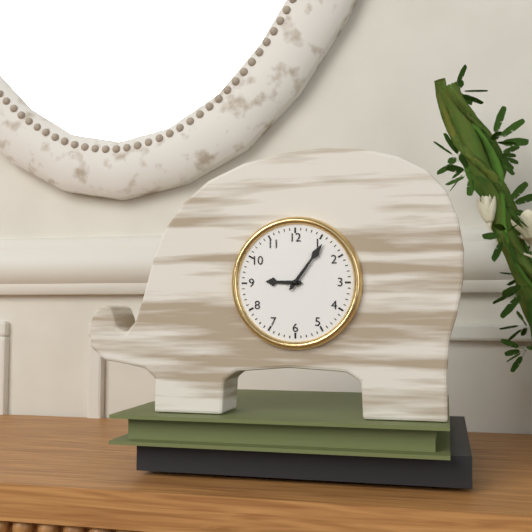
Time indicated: 9:06
